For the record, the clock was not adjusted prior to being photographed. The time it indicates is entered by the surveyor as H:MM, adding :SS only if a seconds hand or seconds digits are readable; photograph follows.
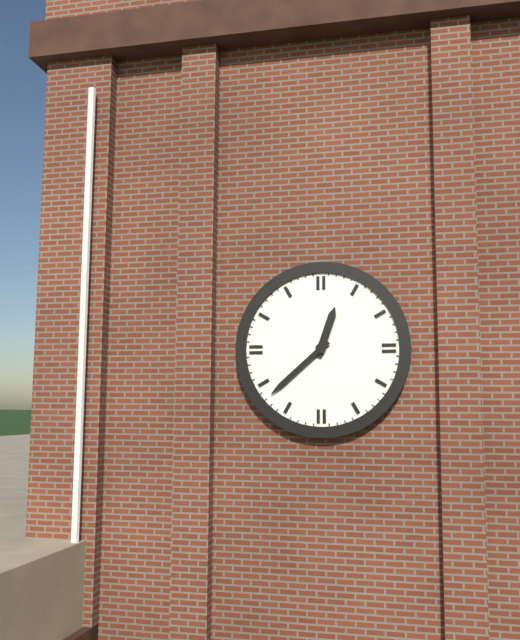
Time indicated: 12:38
